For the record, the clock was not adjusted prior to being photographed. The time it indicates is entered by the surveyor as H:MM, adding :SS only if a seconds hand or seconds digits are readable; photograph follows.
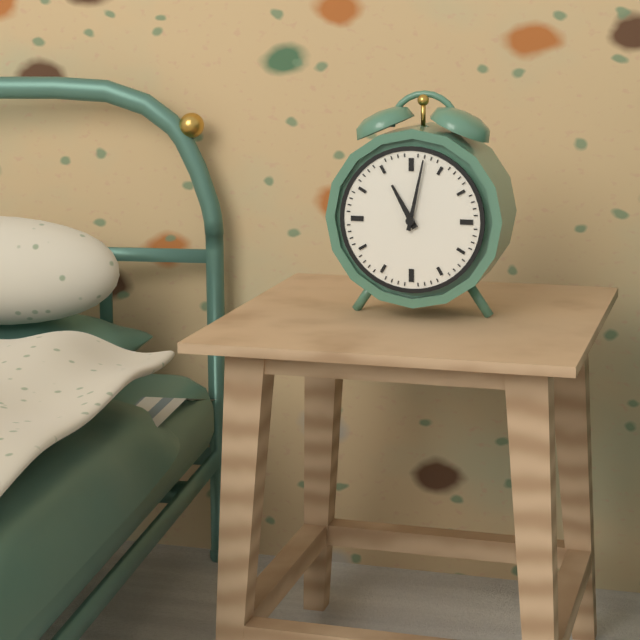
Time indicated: 11:02
